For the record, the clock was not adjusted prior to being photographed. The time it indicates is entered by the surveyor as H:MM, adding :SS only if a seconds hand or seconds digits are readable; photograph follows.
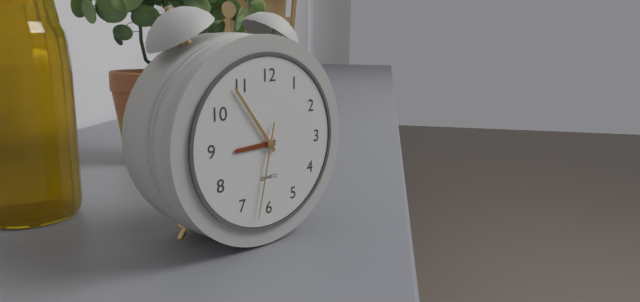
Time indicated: 8:54:32
